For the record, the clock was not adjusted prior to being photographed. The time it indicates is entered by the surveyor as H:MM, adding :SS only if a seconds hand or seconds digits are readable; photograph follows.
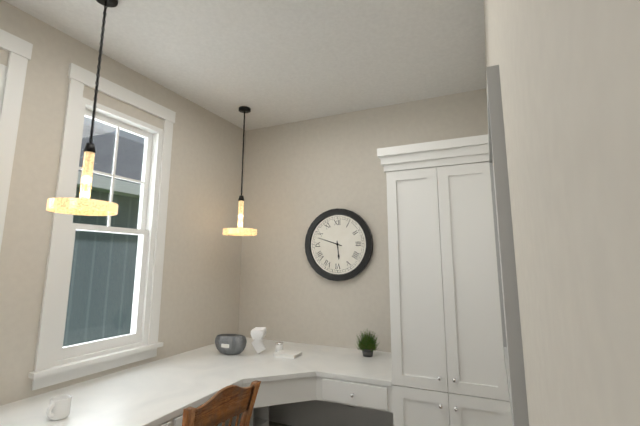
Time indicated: 5:48
